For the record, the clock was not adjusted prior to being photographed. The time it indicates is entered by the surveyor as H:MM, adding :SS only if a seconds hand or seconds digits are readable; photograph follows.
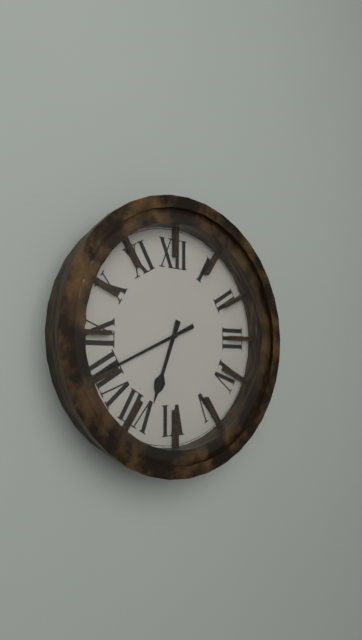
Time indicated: 6:41
